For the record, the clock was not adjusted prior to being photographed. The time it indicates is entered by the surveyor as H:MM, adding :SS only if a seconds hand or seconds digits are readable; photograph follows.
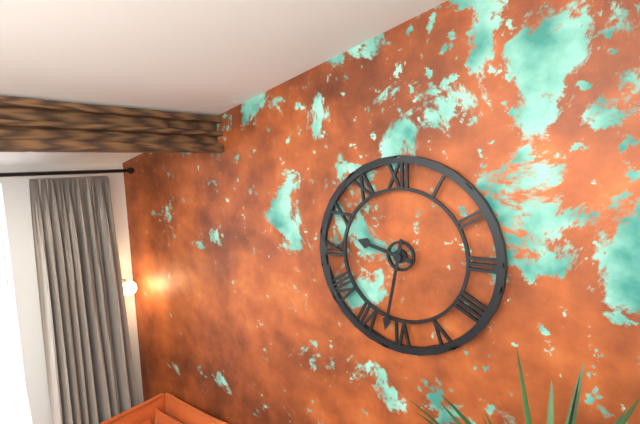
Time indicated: 9:32
